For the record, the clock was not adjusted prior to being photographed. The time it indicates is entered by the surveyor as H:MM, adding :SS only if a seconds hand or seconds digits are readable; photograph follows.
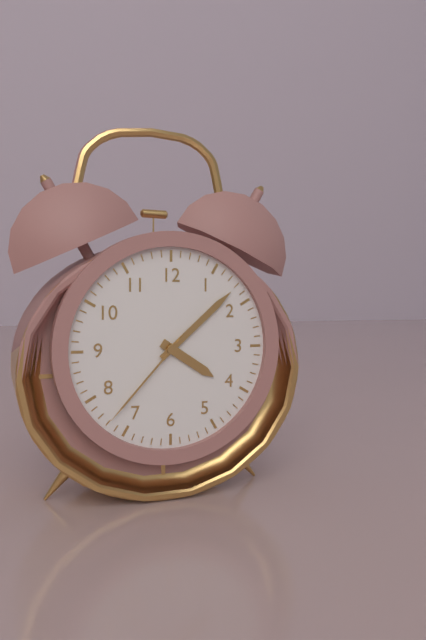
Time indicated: 4:08:37
